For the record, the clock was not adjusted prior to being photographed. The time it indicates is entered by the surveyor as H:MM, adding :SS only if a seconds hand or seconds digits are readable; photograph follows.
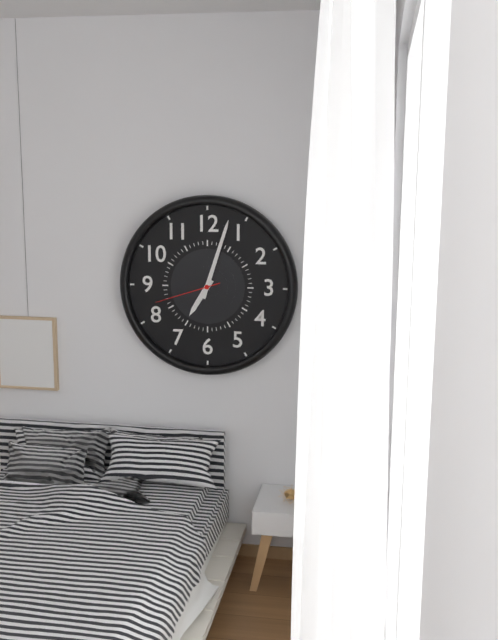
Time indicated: 7:03:42
